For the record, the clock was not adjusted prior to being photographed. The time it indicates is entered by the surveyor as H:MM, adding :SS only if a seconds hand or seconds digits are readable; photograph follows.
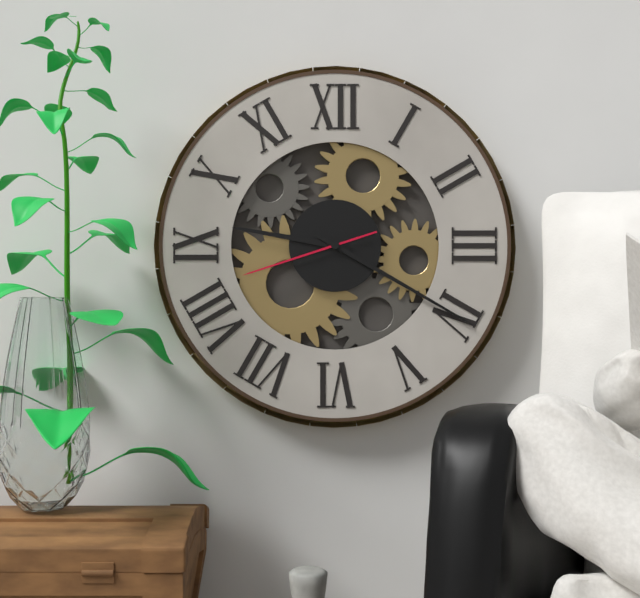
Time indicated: 9:20:42
